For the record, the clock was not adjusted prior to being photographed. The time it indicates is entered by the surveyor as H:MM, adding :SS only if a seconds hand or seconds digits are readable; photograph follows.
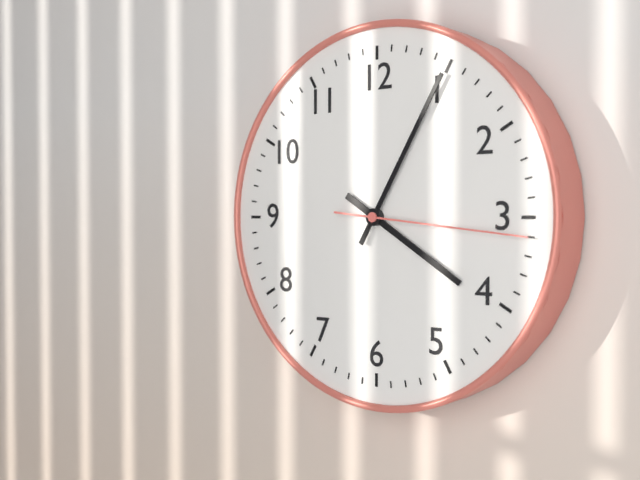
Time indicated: 4:05:16
